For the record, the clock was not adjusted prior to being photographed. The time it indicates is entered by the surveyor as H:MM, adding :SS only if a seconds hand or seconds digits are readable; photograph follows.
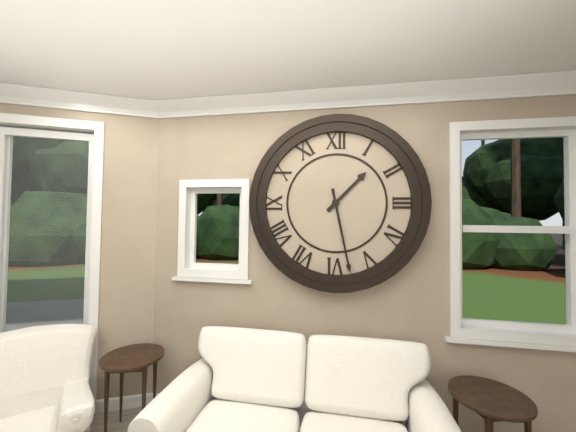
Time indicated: 1:28
